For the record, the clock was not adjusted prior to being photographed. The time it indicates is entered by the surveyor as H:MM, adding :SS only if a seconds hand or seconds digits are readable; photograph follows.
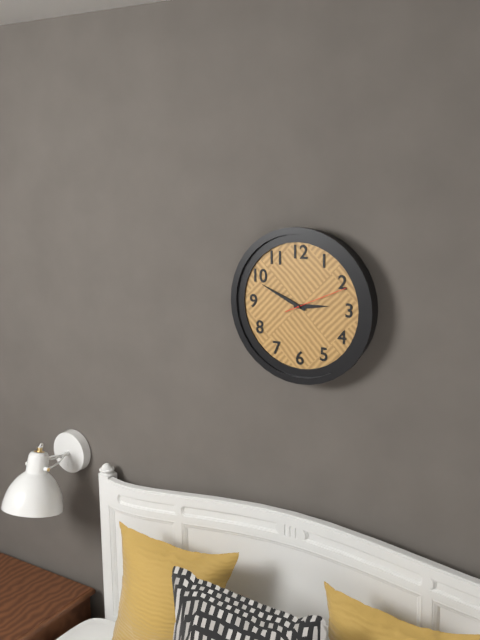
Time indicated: 2:49:11
